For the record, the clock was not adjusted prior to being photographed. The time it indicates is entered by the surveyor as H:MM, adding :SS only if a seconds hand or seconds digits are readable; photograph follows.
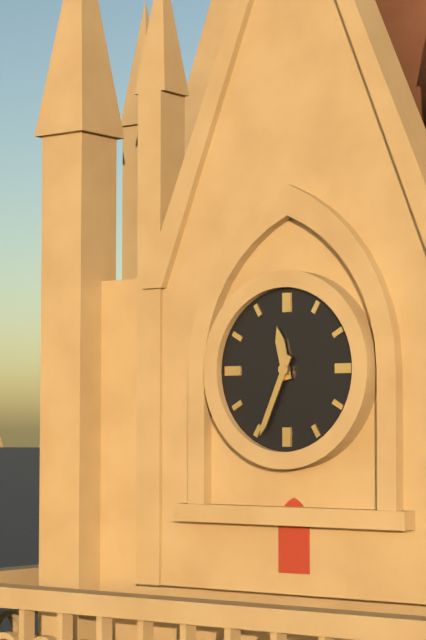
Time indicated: 11:34
